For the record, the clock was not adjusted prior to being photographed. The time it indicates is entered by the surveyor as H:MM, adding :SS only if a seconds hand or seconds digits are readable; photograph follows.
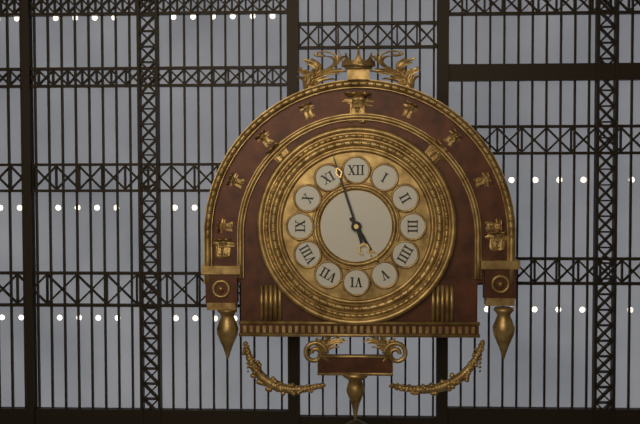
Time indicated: 4:57
